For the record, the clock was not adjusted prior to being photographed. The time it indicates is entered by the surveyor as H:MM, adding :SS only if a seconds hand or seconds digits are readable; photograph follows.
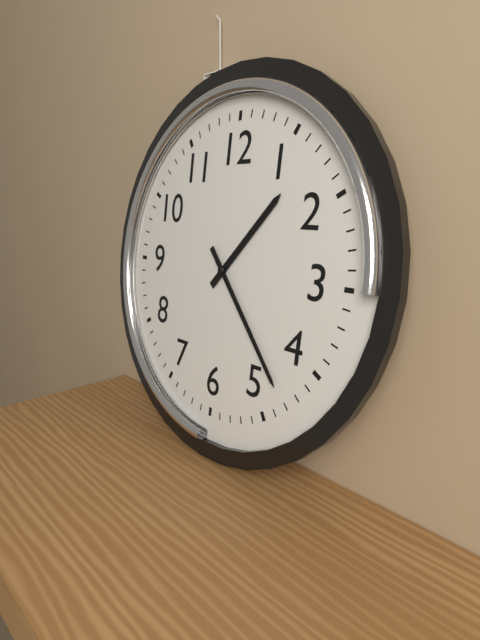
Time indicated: 1:23
